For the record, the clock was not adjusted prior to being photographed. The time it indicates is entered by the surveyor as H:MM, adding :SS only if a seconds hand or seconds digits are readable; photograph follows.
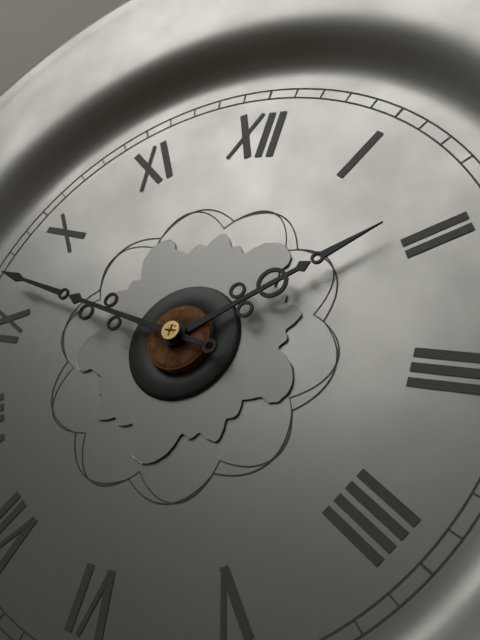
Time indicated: 1:47
